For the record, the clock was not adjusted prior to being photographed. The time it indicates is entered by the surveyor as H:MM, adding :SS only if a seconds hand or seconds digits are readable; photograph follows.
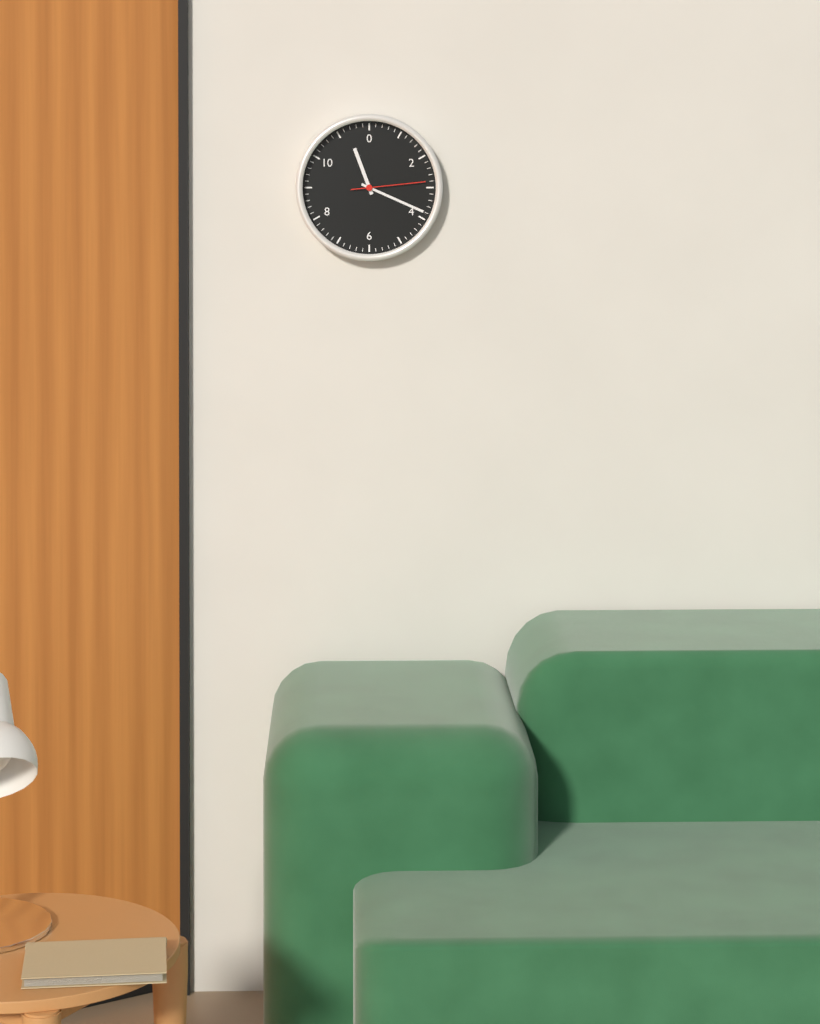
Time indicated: 11:19:14
